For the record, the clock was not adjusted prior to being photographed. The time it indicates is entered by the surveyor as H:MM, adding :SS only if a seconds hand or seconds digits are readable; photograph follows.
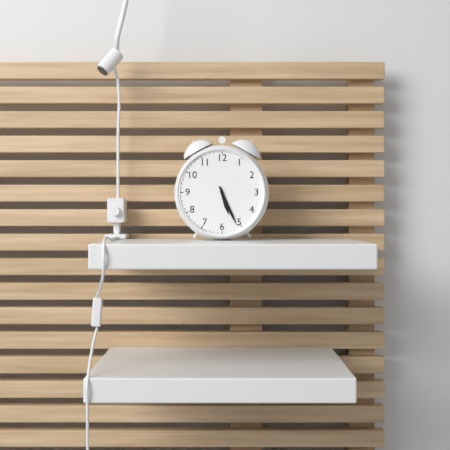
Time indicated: 5:26
